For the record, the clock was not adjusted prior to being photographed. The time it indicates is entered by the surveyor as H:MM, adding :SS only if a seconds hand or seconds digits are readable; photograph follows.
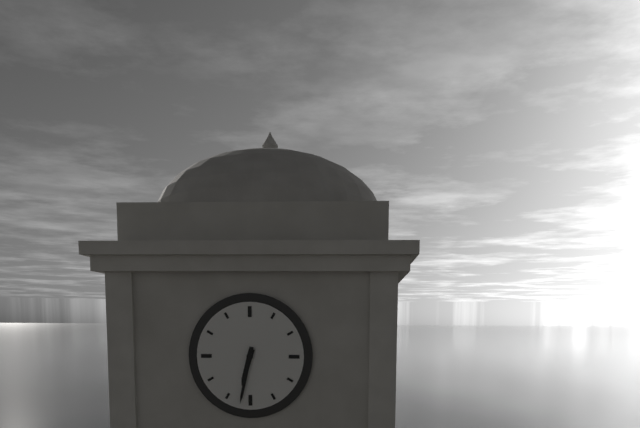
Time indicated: 6:32
